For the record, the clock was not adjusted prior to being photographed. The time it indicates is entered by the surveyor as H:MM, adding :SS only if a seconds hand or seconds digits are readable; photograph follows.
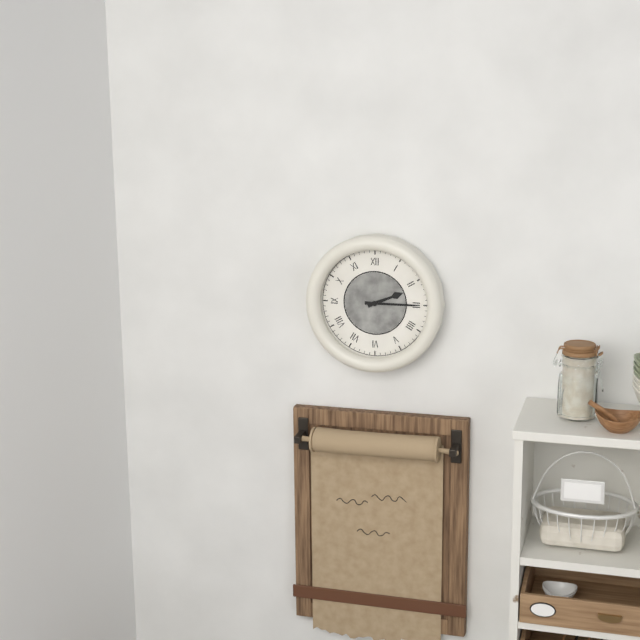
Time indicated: 2:15
